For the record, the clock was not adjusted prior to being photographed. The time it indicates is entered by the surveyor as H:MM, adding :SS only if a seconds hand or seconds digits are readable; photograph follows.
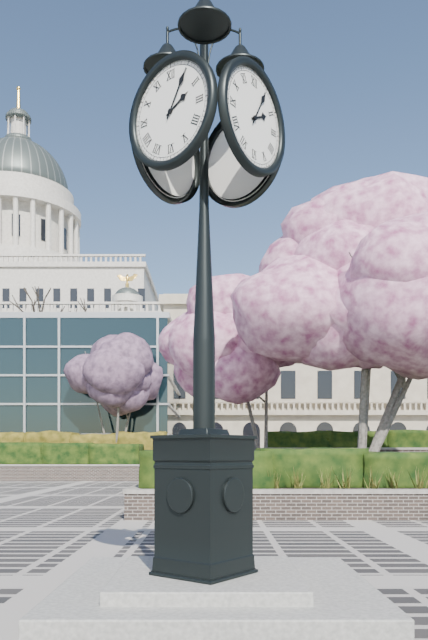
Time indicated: 2:05
